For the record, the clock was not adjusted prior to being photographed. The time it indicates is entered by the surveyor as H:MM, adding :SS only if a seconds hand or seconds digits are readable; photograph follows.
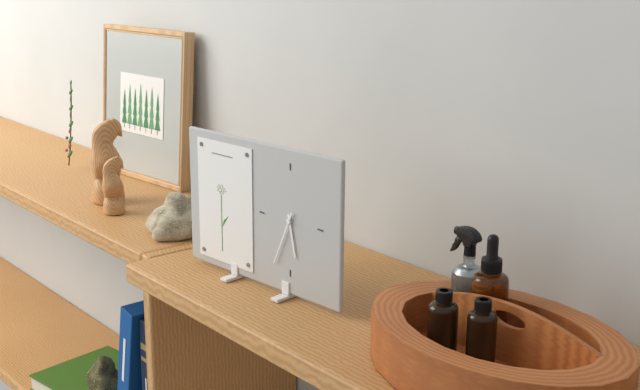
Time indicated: 5:34
